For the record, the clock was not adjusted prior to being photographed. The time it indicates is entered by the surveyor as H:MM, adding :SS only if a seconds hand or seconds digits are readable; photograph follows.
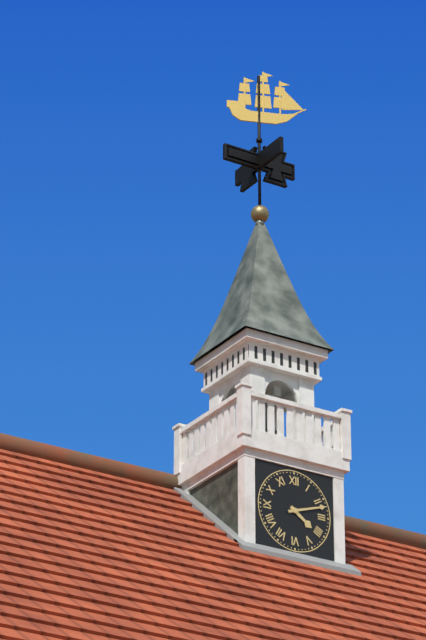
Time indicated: 4:12
